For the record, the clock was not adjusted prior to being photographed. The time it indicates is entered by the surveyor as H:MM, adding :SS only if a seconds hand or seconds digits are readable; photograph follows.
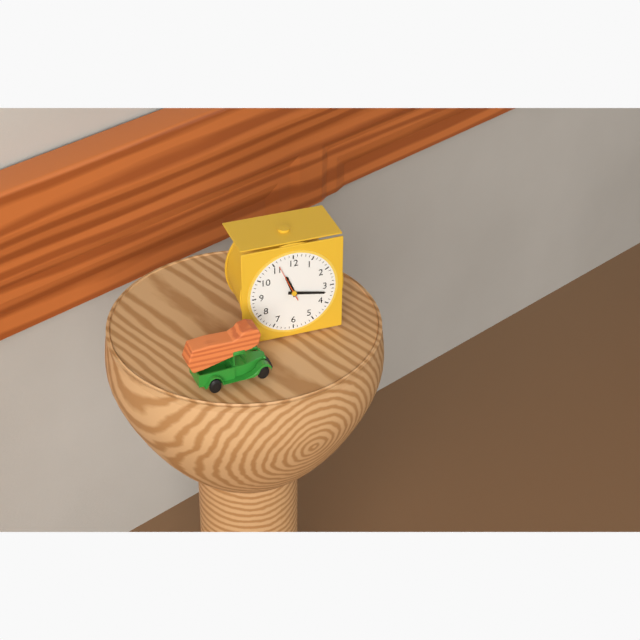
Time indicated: 11:17
